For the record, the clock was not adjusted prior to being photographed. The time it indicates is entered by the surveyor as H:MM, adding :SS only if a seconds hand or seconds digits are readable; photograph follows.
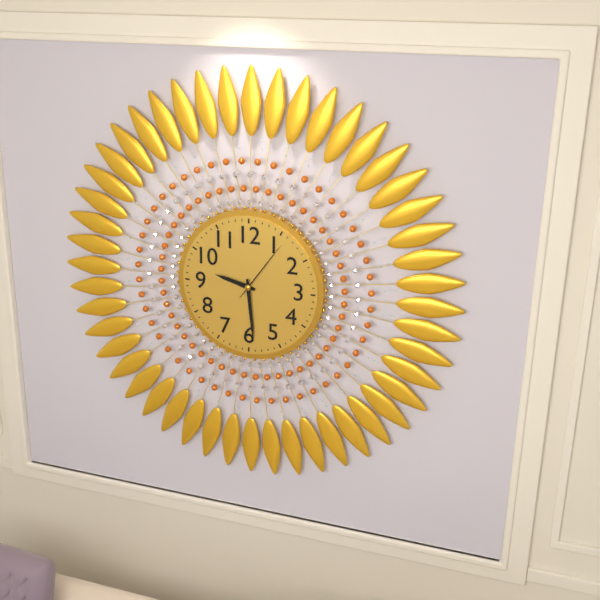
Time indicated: 9:29:06
